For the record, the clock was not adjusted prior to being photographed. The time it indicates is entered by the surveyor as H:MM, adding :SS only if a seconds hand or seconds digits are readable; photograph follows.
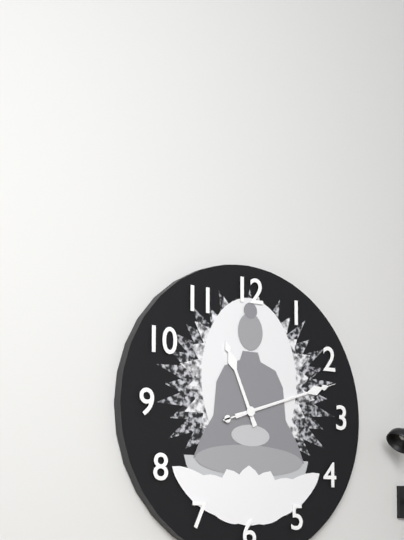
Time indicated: 11:12:12
